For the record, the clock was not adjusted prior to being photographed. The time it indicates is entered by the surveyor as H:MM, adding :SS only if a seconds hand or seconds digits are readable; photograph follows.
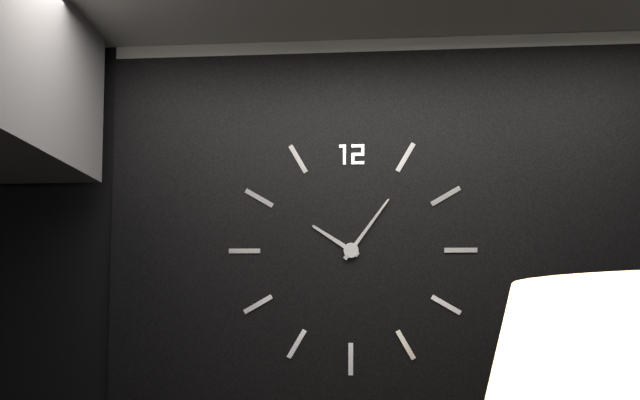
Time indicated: 10:06
